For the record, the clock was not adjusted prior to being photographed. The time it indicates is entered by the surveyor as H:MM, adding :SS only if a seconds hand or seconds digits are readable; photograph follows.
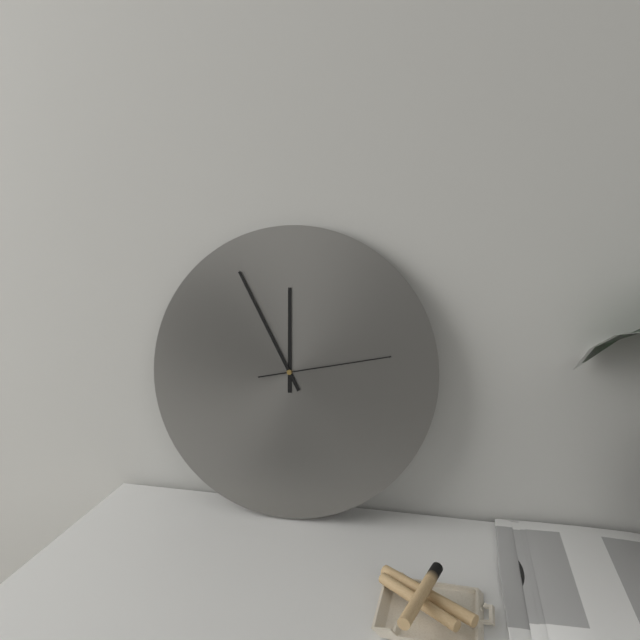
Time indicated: 11:55:13
